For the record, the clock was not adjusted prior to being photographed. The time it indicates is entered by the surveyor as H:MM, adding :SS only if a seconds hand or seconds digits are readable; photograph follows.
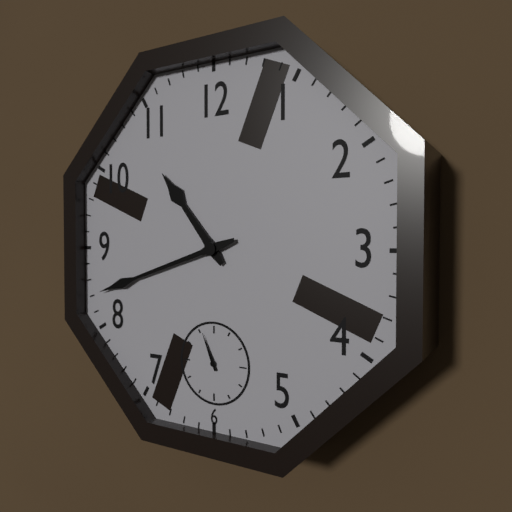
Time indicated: 10:42
